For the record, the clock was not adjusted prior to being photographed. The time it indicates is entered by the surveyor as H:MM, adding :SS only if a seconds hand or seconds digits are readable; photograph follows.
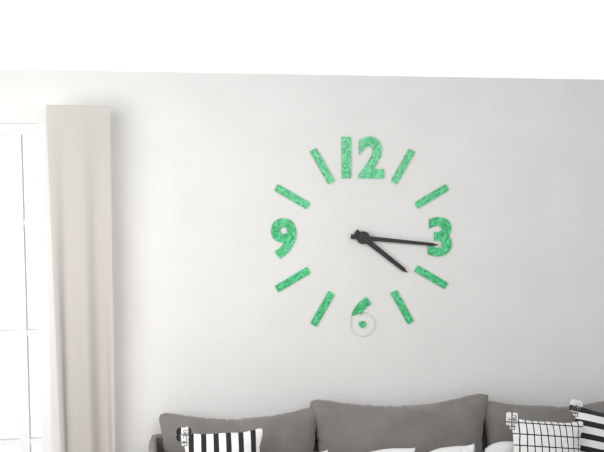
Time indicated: 4:16
